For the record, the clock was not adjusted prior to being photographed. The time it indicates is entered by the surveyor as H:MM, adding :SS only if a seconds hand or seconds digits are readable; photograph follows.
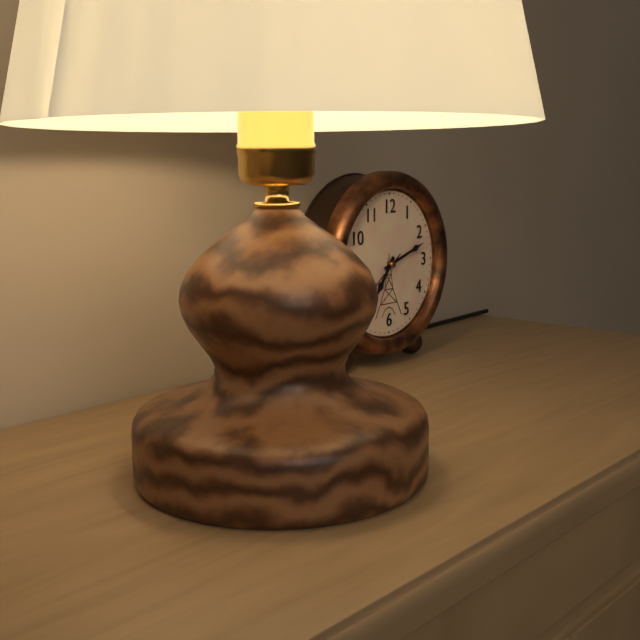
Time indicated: 7:12
